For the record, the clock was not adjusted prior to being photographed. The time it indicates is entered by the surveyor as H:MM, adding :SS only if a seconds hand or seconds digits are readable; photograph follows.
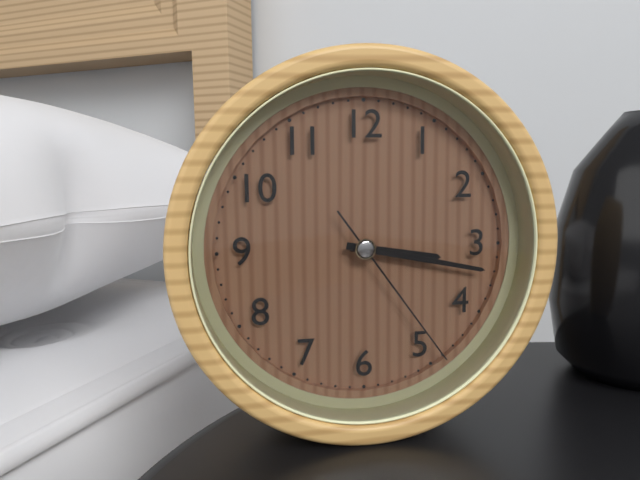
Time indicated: 3:17:24
